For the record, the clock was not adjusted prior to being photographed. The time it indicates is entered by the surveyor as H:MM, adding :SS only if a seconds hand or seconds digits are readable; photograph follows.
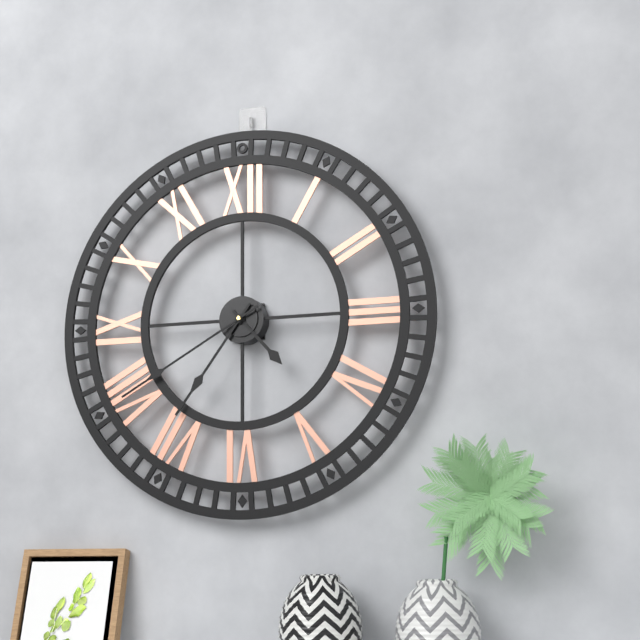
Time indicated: 4:36:40
